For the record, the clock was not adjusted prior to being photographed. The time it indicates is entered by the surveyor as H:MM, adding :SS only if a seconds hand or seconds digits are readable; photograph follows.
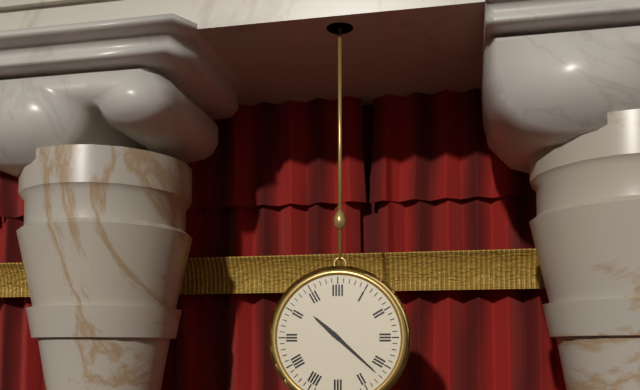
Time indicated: 10:22
